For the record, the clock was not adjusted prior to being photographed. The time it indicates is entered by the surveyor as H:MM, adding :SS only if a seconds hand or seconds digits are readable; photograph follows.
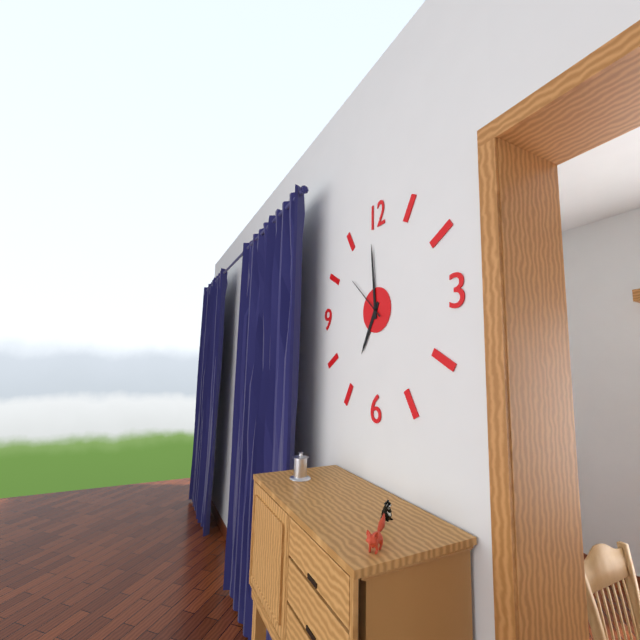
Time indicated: 6:59
